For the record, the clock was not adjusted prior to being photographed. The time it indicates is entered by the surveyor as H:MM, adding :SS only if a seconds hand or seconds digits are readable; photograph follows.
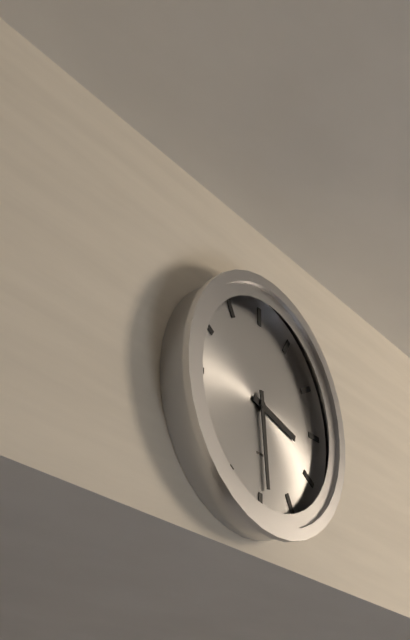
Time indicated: 3:29
